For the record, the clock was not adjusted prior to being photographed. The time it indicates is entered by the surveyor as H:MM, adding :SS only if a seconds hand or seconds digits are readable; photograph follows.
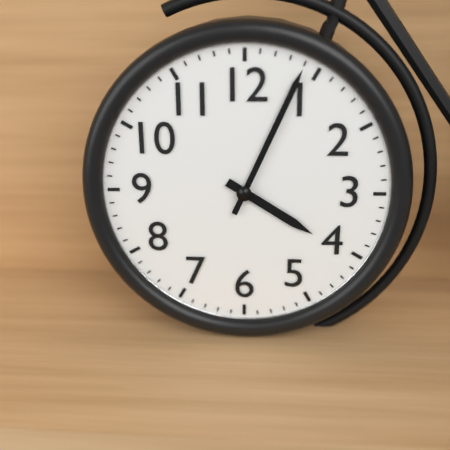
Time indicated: 4:04
